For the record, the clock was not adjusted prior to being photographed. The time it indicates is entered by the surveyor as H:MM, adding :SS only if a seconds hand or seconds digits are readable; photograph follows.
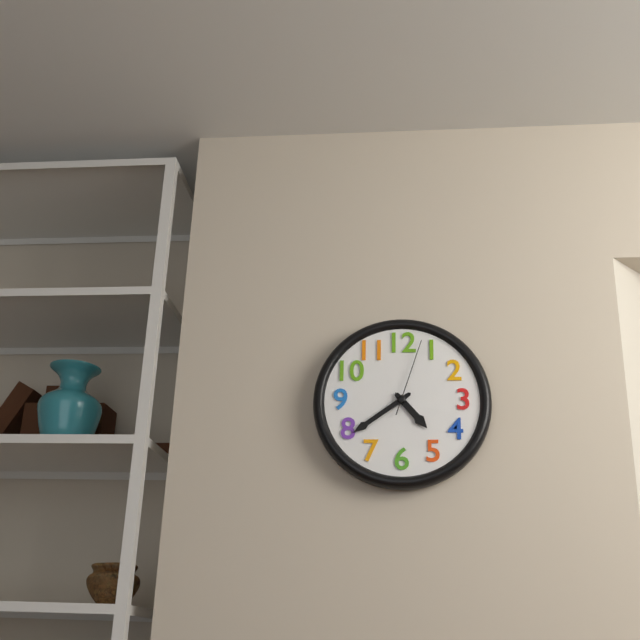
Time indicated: 4:39:03
